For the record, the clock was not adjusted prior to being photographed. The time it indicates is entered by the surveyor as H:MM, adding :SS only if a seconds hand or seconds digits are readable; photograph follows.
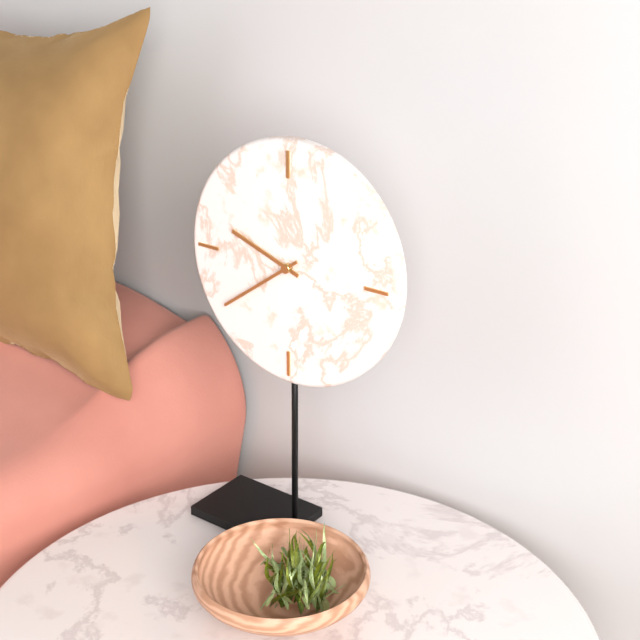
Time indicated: 9:39
